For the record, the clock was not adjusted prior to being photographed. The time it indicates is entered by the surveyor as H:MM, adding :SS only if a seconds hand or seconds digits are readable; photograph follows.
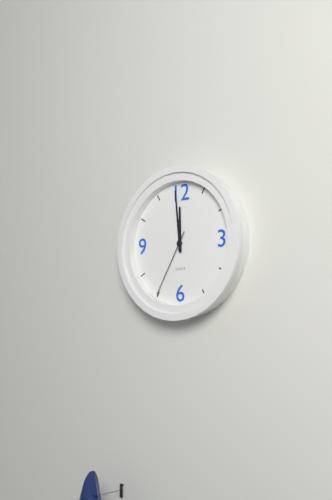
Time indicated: 11:59:35
